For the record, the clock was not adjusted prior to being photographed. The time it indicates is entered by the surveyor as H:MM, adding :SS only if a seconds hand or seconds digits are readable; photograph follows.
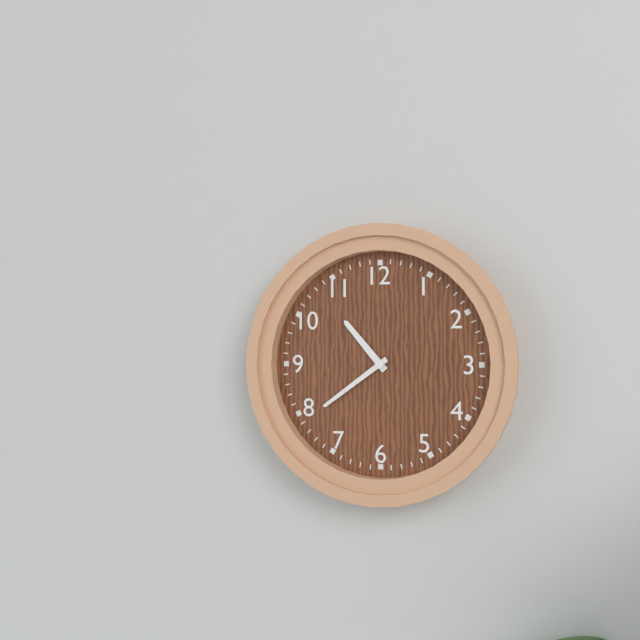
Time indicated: 10:39
